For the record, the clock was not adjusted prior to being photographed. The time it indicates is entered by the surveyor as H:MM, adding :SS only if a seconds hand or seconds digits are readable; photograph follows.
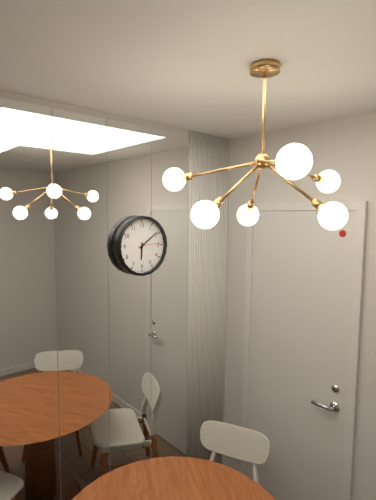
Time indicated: 6:09
